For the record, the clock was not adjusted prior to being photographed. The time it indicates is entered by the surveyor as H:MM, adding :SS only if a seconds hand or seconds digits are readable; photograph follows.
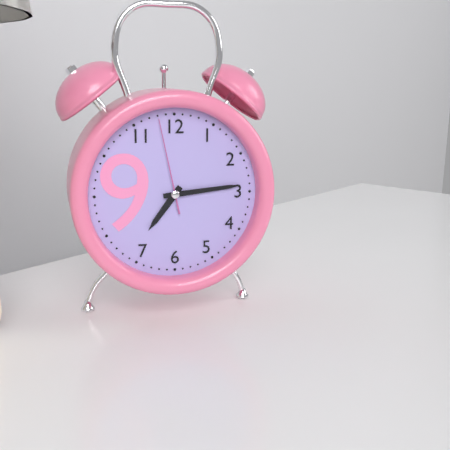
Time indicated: 7:14:58
